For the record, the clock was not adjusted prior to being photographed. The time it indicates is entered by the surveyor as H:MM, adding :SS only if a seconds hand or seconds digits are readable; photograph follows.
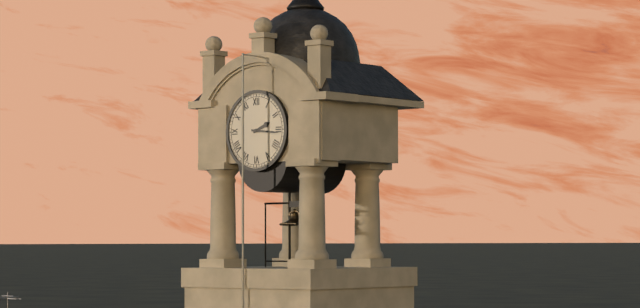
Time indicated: 2:16
